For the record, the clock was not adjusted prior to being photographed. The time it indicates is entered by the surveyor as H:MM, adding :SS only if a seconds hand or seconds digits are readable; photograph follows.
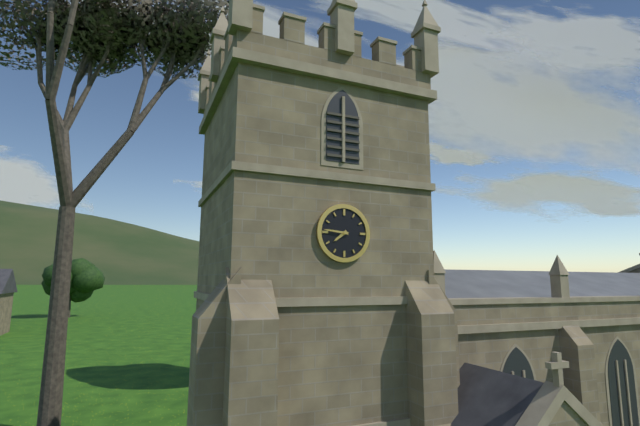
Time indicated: 7:46
